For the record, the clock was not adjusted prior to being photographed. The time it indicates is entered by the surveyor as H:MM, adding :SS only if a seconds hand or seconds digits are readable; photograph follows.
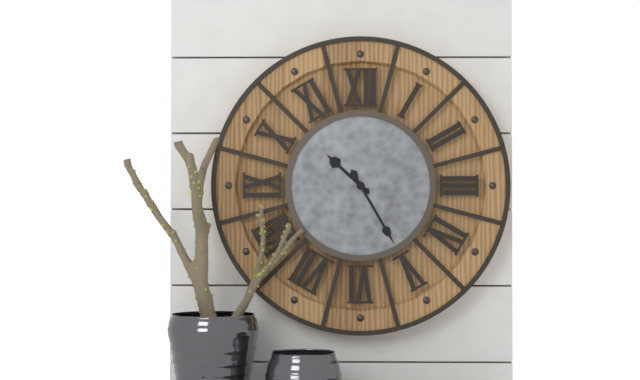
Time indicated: 10:25
